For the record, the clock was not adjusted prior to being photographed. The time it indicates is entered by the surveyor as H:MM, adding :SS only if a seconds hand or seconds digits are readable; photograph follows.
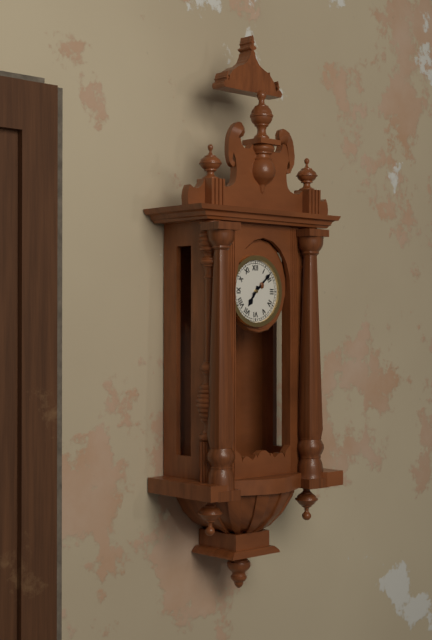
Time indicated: 7:08
